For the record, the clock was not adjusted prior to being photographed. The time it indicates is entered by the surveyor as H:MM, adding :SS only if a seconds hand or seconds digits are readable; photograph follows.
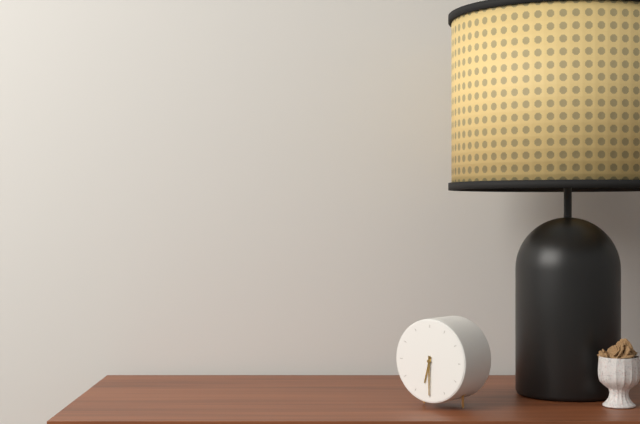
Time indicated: 6:30
